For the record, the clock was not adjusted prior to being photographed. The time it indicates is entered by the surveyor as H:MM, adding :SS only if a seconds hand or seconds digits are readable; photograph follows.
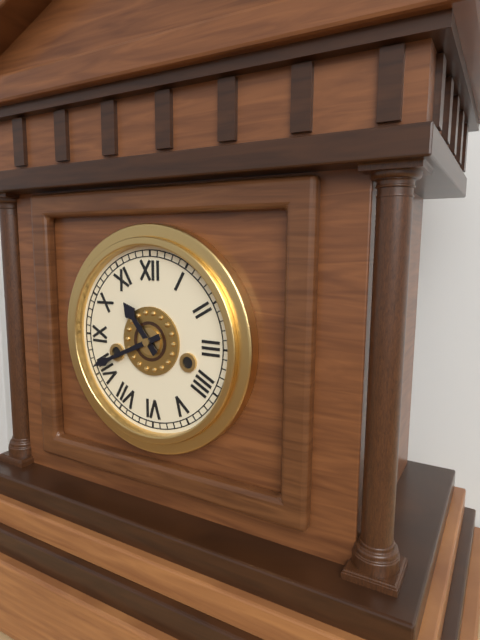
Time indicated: 10:41
